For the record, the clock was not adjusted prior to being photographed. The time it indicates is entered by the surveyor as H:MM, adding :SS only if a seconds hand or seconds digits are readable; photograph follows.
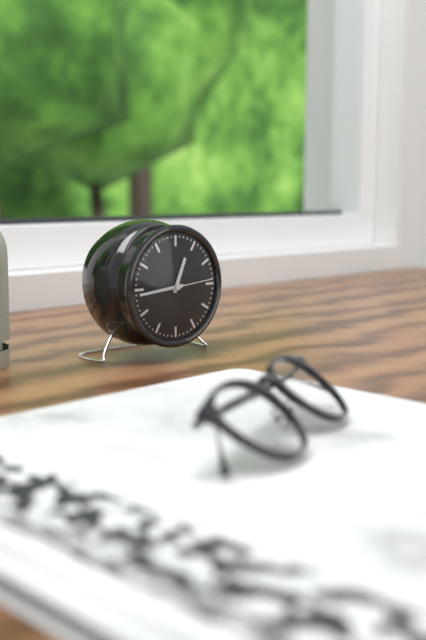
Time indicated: 12:44
